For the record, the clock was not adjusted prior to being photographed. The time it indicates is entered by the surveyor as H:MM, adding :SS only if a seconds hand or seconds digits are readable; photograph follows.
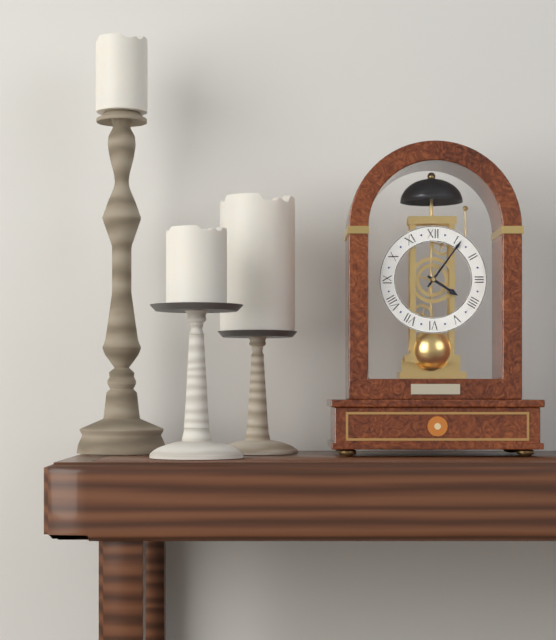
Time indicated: 4:06
